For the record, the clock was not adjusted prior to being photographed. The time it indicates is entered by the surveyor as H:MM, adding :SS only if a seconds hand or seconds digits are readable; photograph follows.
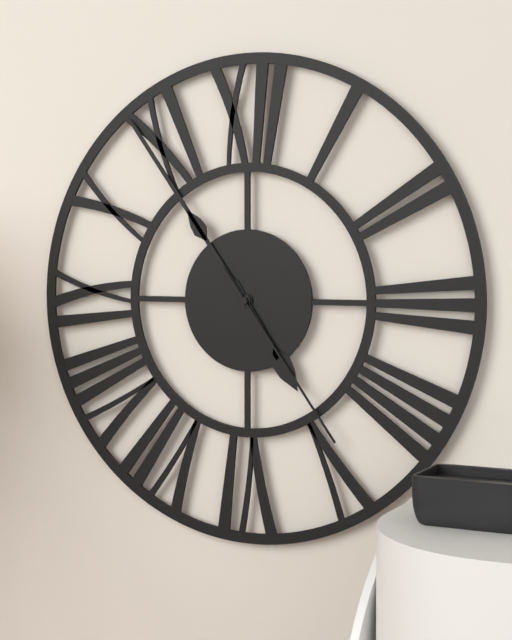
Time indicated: 4:54:24
